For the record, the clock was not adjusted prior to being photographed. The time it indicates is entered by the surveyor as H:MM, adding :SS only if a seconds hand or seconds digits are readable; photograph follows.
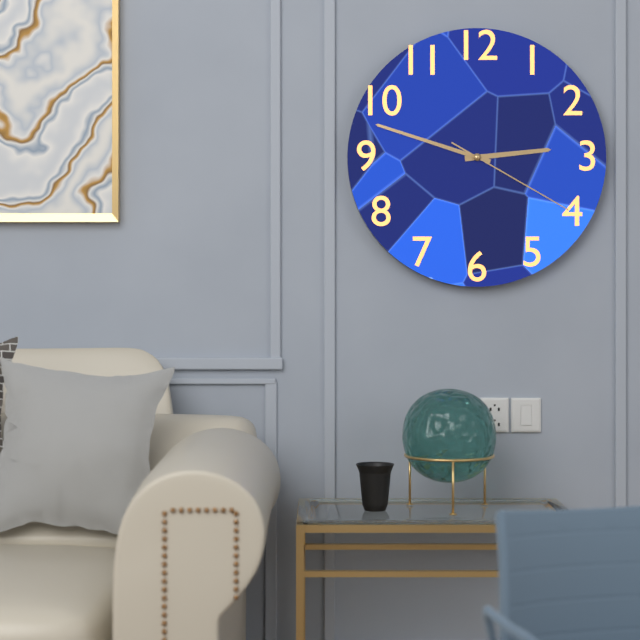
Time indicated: 2:48:20
